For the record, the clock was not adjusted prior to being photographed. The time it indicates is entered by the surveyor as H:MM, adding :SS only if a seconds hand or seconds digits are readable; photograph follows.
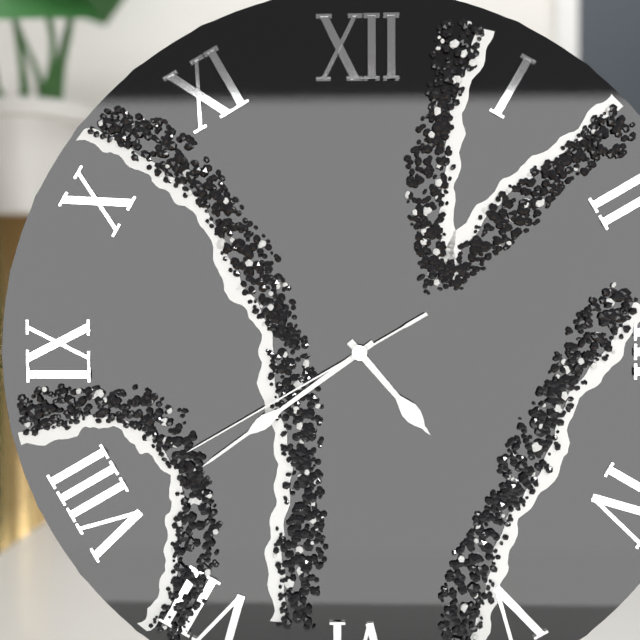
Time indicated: 4:39:40
